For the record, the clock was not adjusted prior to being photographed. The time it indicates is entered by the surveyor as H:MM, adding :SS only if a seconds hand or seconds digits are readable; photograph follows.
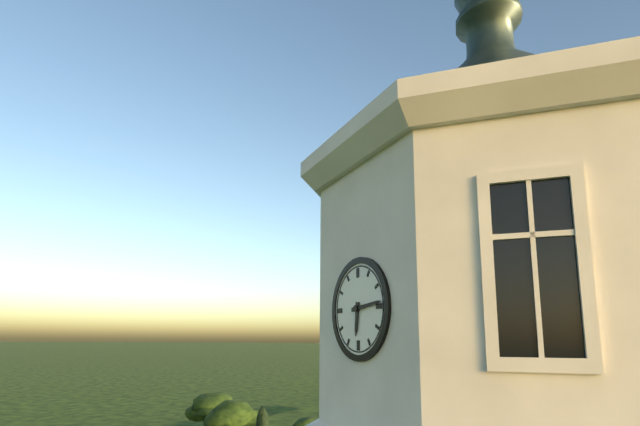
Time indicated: 6:14
